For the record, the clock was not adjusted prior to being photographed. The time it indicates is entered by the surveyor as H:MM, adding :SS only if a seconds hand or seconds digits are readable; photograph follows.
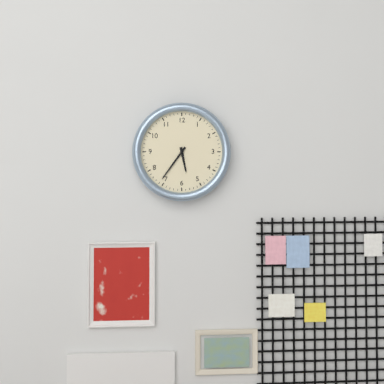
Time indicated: 5:36
